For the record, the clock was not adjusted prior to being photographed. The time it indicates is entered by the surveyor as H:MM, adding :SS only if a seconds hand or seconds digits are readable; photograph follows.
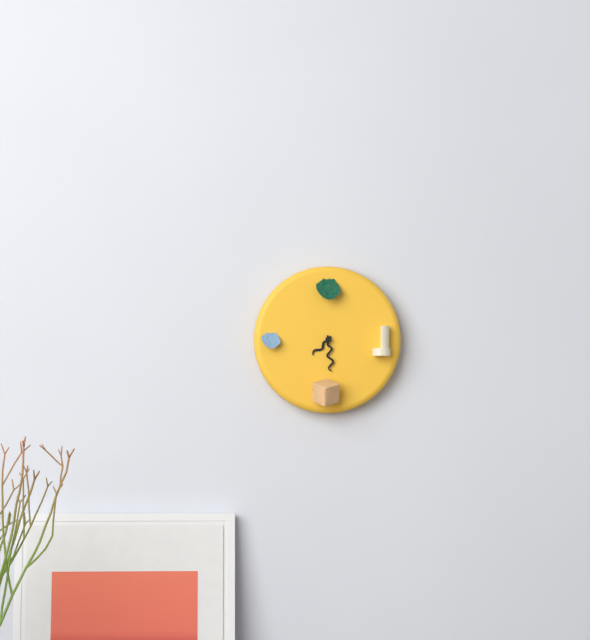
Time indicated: 7:29
